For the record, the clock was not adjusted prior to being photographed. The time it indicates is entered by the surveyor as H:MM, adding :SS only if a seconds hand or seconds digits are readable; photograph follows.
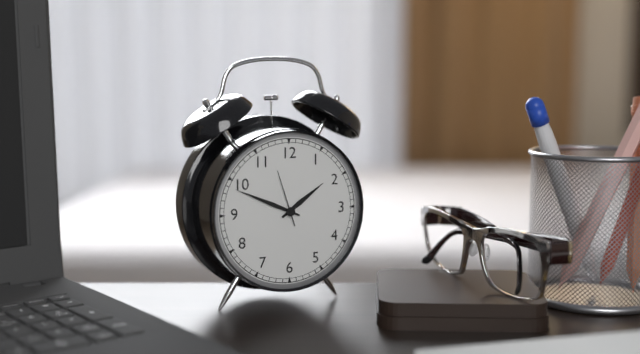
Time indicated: 1:49:57
